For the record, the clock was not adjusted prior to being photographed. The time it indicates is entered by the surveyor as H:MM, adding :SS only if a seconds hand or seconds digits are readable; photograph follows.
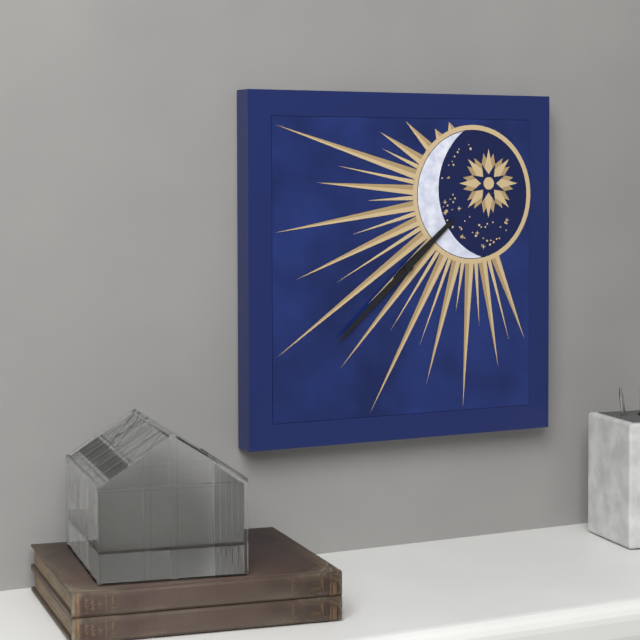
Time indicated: 1:38
